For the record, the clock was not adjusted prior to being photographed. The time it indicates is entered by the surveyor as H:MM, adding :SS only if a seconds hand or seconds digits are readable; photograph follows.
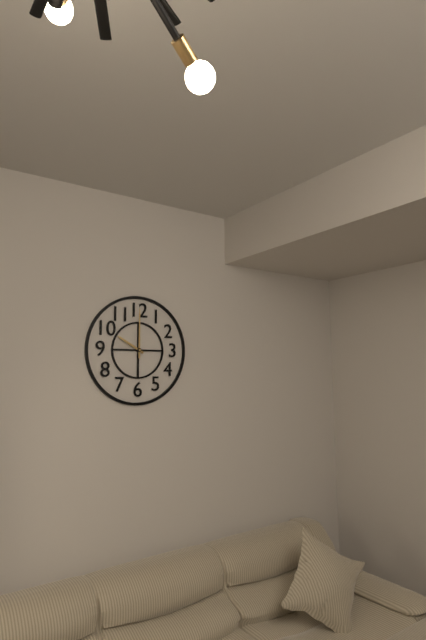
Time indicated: 10:00
